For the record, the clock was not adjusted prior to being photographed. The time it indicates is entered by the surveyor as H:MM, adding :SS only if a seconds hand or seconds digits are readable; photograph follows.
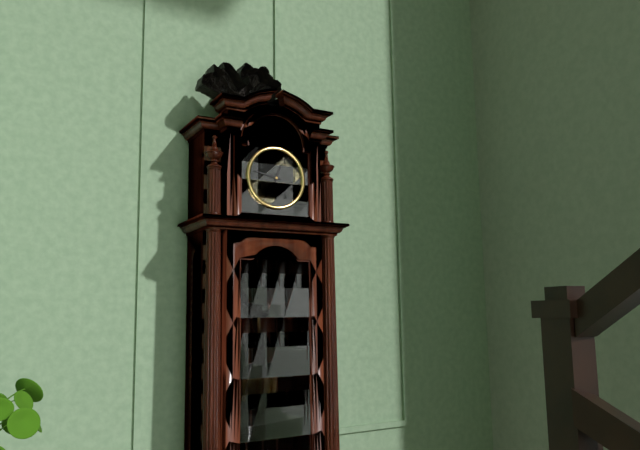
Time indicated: 12:47
